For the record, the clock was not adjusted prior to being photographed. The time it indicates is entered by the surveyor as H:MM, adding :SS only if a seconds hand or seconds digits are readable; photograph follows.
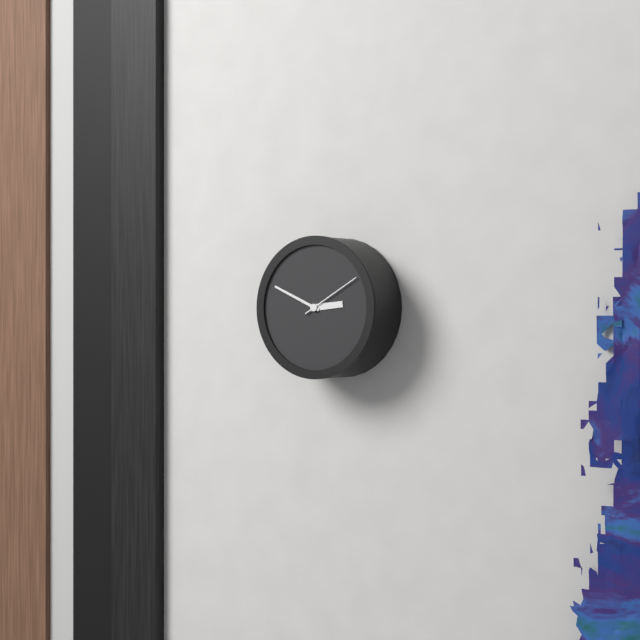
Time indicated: 2:49:10
